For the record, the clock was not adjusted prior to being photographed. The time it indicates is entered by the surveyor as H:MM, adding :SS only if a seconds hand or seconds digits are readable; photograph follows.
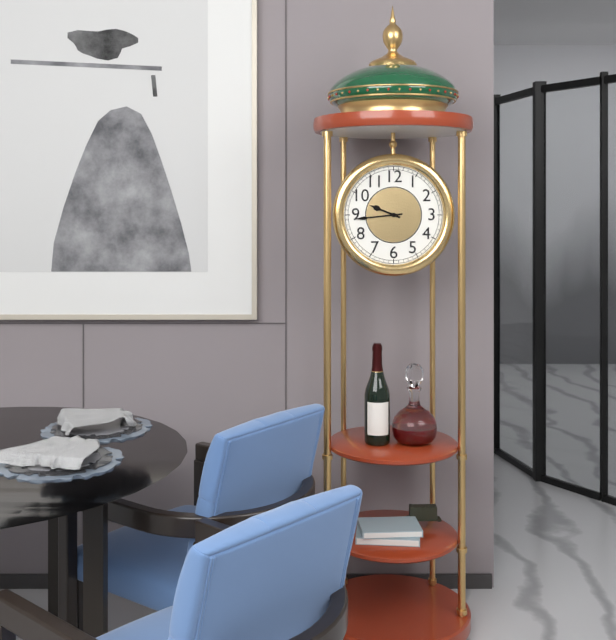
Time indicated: 9:44
